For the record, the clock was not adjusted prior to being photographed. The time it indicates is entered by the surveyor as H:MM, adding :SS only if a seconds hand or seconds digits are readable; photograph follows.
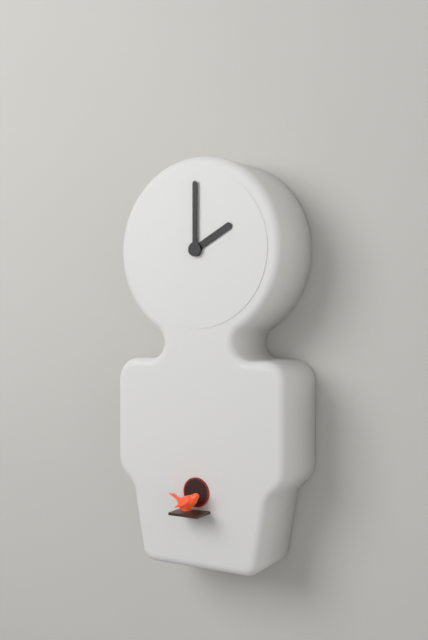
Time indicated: 2:00
